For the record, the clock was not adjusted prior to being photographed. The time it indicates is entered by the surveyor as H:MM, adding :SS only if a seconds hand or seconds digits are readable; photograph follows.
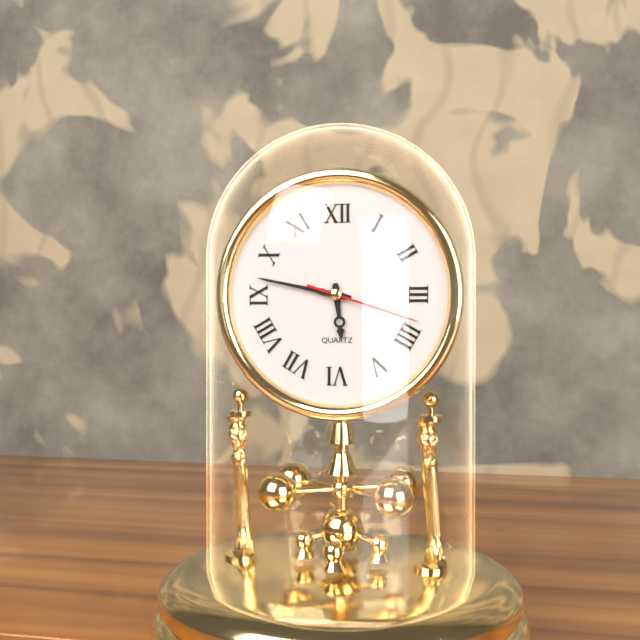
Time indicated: 5:47:18
